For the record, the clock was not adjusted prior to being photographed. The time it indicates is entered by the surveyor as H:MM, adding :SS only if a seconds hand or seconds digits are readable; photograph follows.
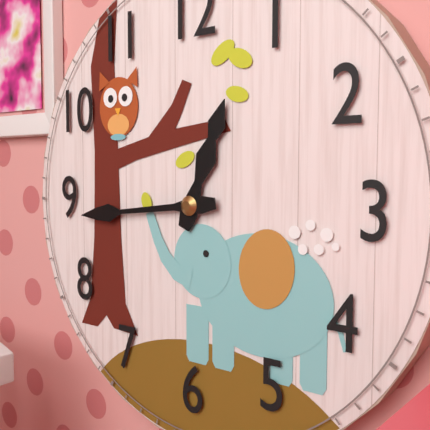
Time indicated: 12:44
